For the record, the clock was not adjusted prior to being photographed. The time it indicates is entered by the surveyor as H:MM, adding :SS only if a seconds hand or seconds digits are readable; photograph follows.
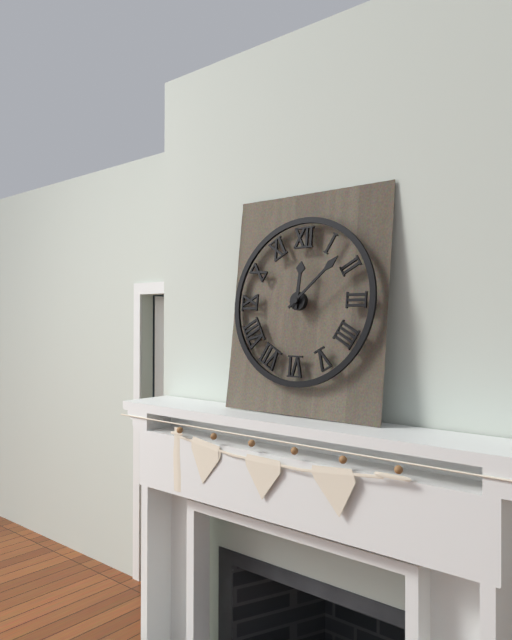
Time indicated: 12:08
